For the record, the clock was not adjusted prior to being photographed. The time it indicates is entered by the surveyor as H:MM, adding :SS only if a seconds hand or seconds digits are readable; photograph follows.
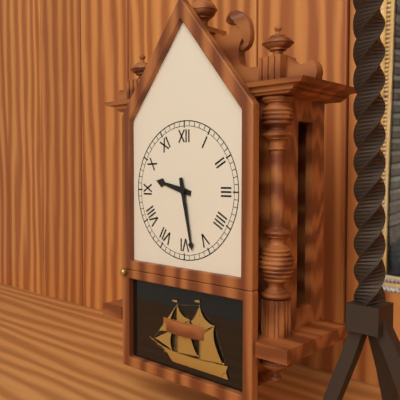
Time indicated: 9:28
